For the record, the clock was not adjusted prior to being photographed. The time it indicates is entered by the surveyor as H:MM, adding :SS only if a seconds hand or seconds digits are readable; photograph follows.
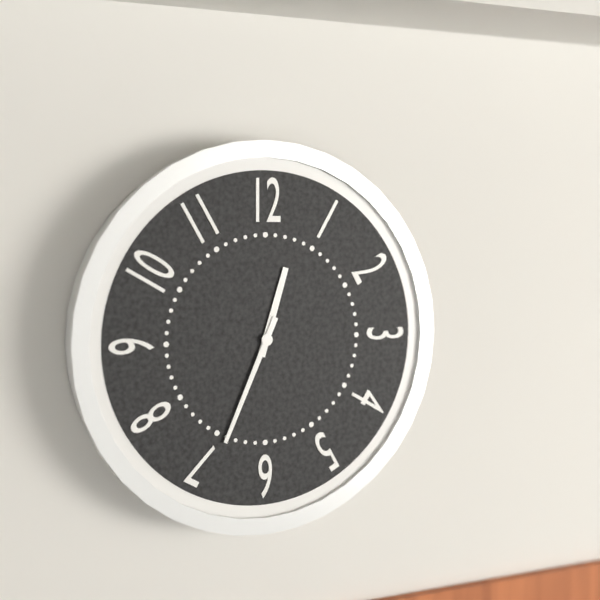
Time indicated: 12:34
